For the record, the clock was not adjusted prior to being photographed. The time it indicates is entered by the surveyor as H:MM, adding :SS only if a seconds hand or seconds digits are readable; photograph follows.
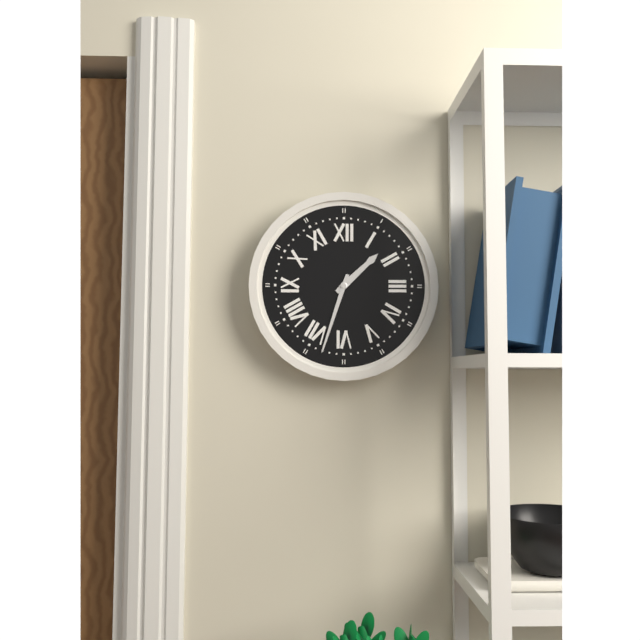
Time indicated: 1:33
